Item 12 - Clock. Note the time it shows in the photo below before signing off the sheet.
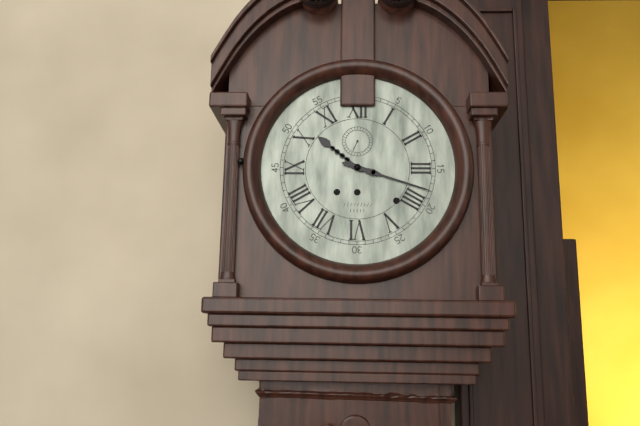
10:18
